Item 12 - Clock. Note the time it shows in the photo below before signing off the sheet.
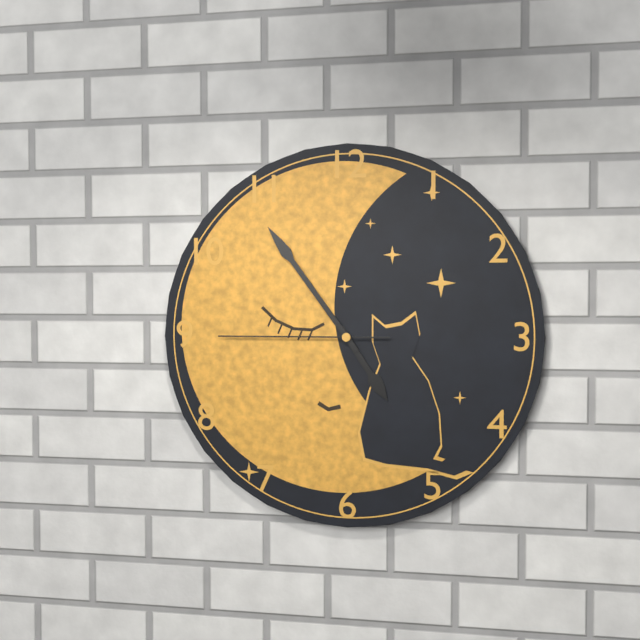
4:54:45
